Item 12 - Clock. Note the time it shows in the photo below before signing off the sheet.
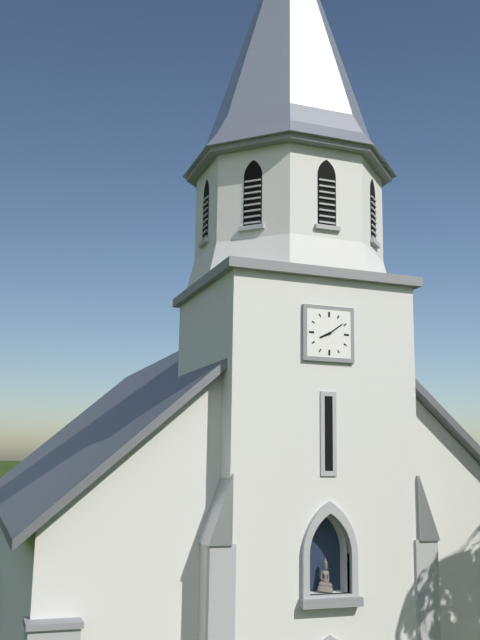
8:09
